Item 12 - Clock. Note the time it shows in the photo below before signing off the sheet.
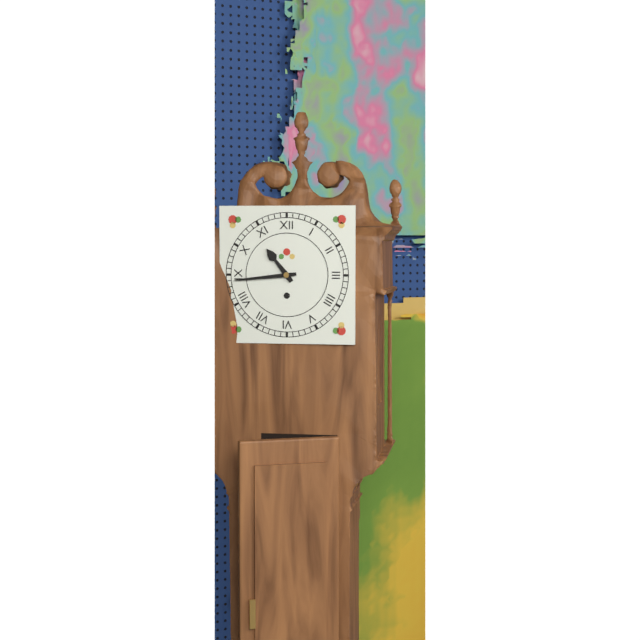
10:44
